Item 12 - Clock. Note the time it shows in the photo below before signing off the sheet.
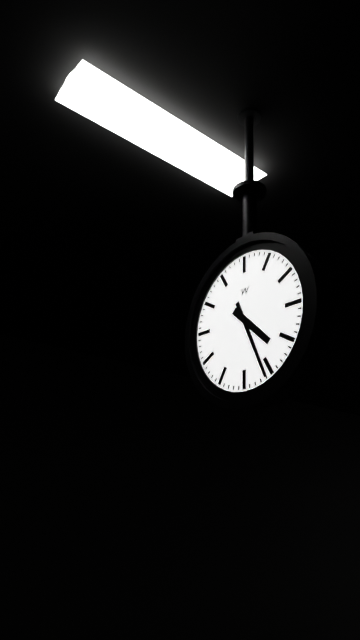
4:26
